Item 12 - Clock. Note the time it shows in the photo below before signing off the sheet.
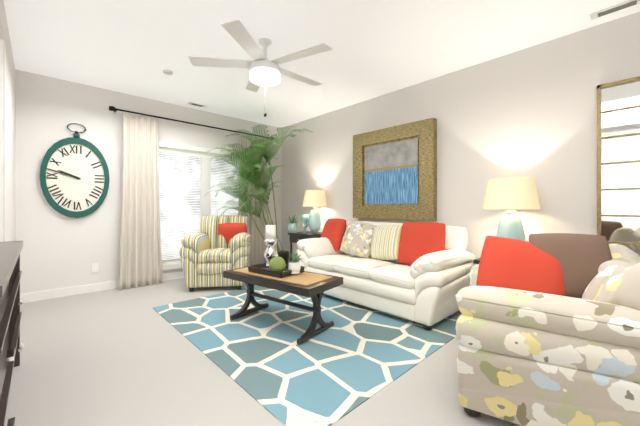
9:48
